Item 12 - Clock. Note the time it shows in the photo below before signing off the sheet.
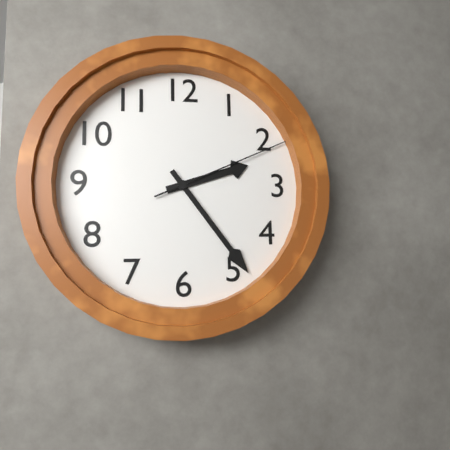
2:24:11
